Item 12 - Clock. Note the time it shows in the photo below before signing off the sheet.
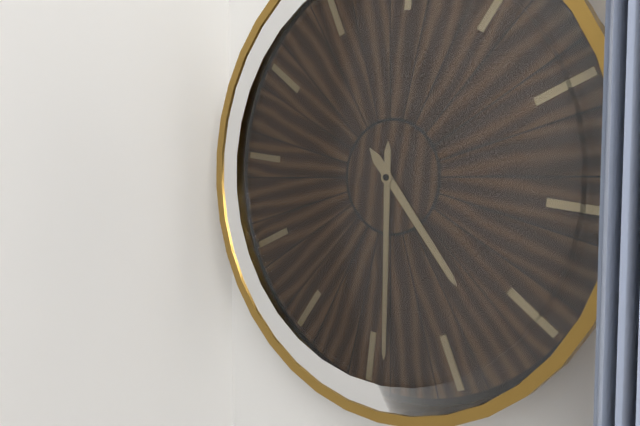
4:29
